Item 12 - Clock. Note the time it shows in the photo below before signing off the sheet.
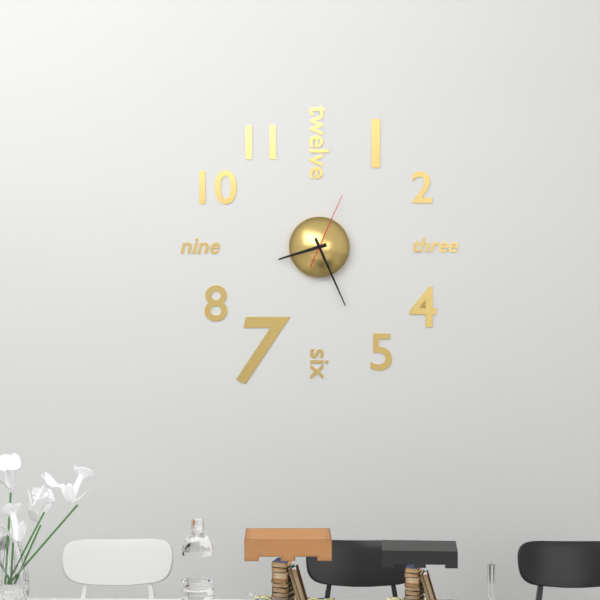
8:26:04
